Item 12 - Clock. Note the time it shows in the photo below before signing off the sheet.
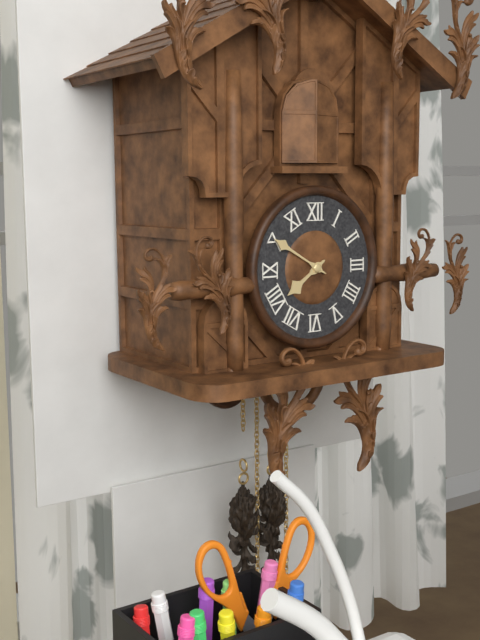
7:50
